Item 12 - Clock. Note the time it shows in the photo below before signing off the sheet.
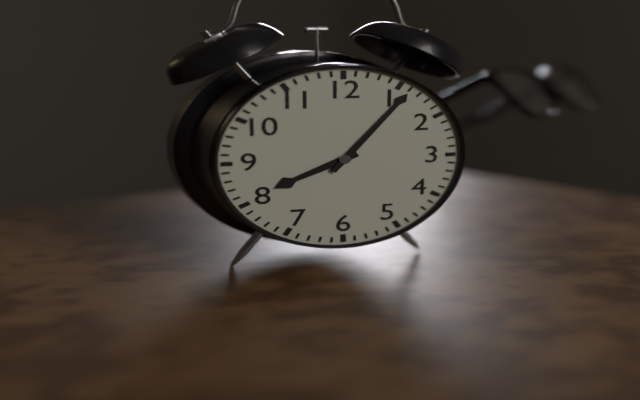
8:06
